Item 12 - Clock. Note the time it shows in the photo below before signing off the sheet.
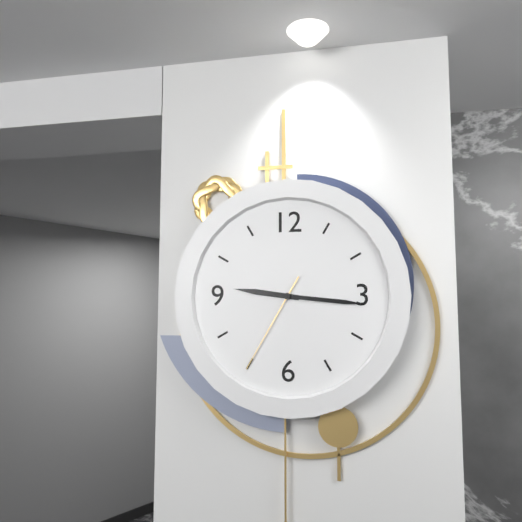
9:16:35
